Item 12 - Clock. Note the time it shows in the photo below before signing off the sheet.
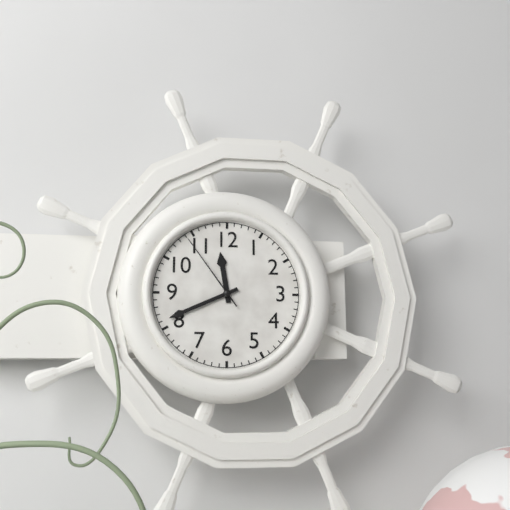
11:41:54
